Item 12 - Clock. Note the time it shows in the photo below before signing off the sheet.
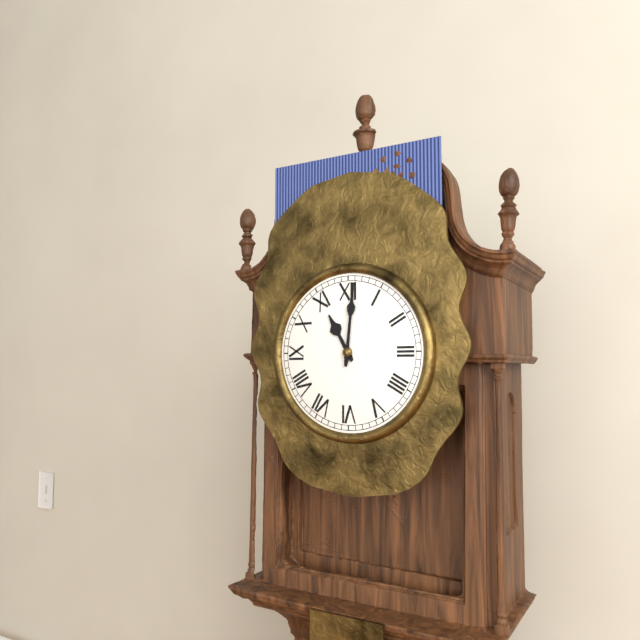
11:01
